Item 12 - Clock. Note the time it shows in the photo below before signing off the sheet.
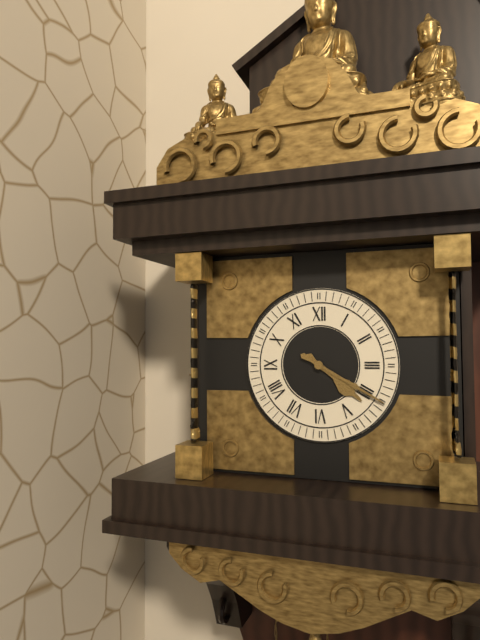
4:20
